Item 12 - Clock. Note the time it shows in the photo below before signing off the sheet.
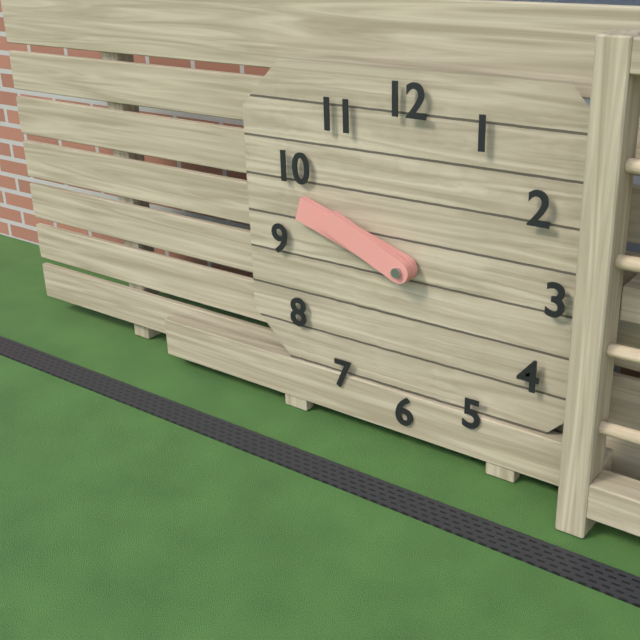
9:48
